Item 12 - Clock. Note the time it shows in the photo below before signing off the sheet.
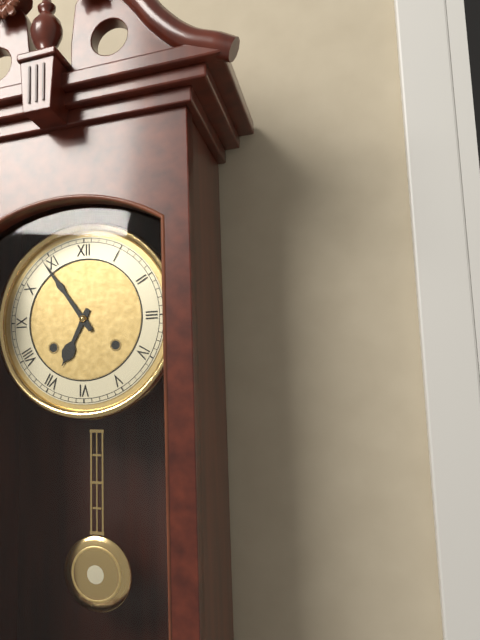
6:54
